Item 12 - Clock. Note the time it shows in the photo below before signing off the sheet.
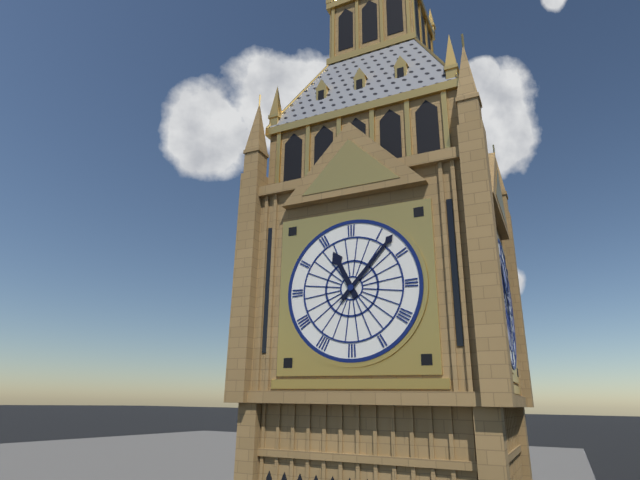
11:07
